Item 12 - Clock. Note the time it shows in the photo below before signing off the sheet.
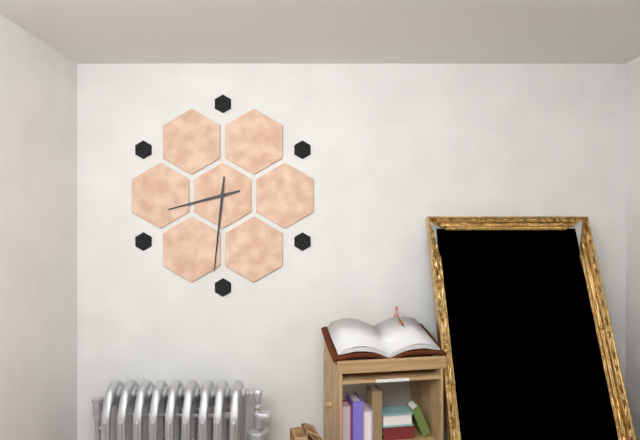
8:31
